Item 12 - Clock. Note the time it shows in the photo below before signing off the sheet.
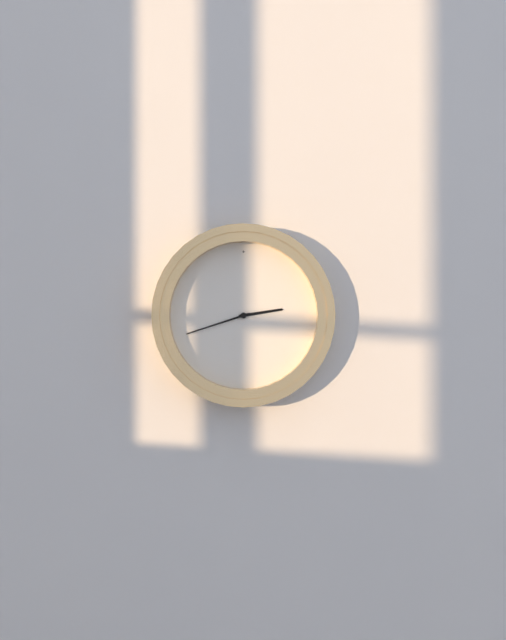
2:42
